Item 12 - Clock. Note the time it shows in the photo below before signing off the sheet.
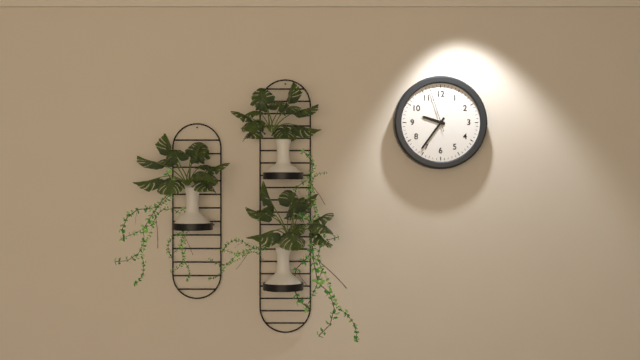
9:36
